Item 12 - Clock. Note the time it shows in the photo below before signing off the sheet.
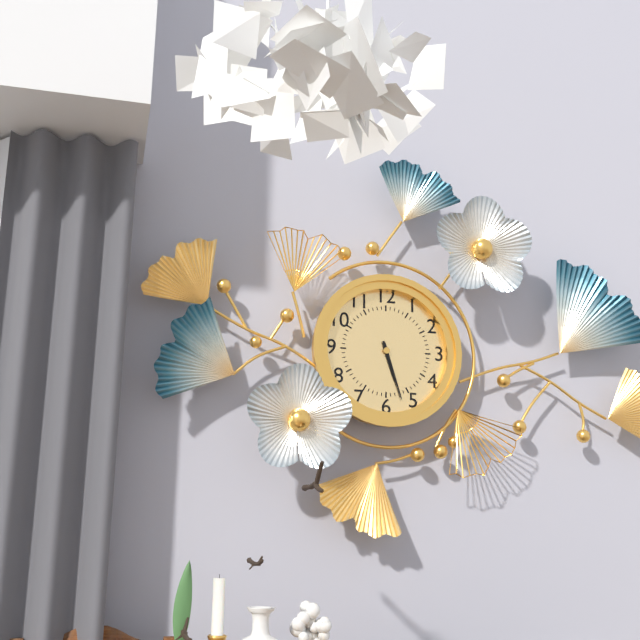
5:27
